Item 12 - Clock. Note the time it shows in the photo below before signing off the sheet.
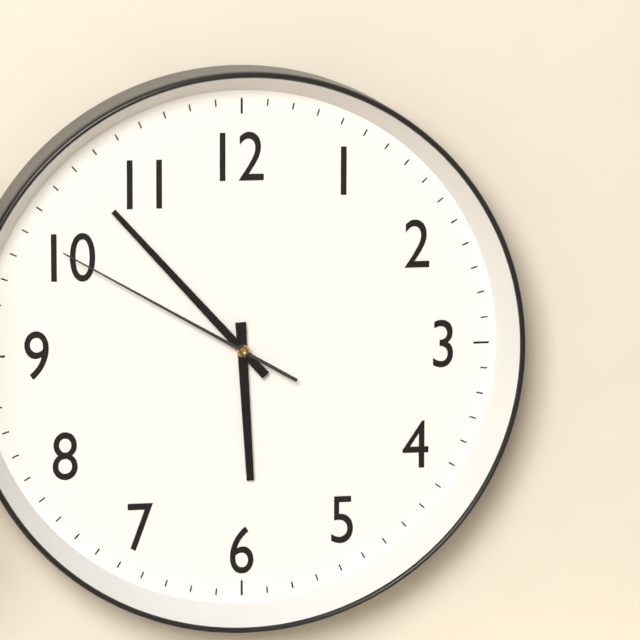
5:53:50
